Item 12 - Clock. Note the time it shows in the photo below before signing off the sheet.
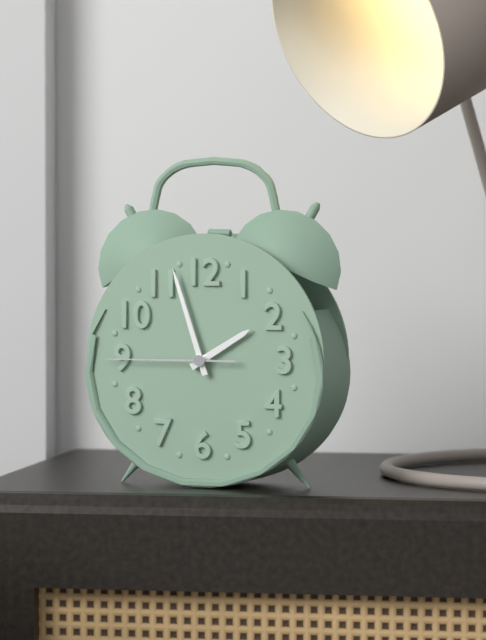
1:57:45
